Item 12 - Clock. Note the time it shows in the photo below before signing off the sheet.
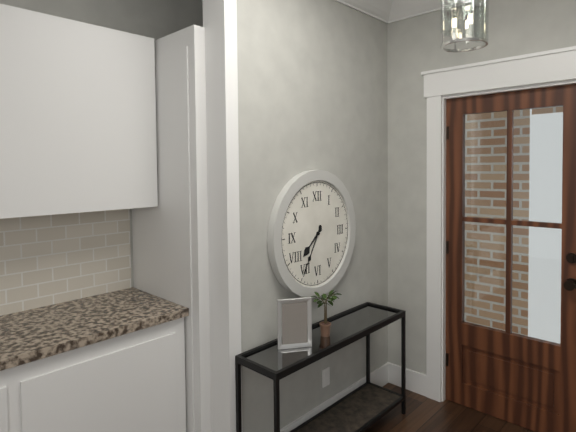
7:35
